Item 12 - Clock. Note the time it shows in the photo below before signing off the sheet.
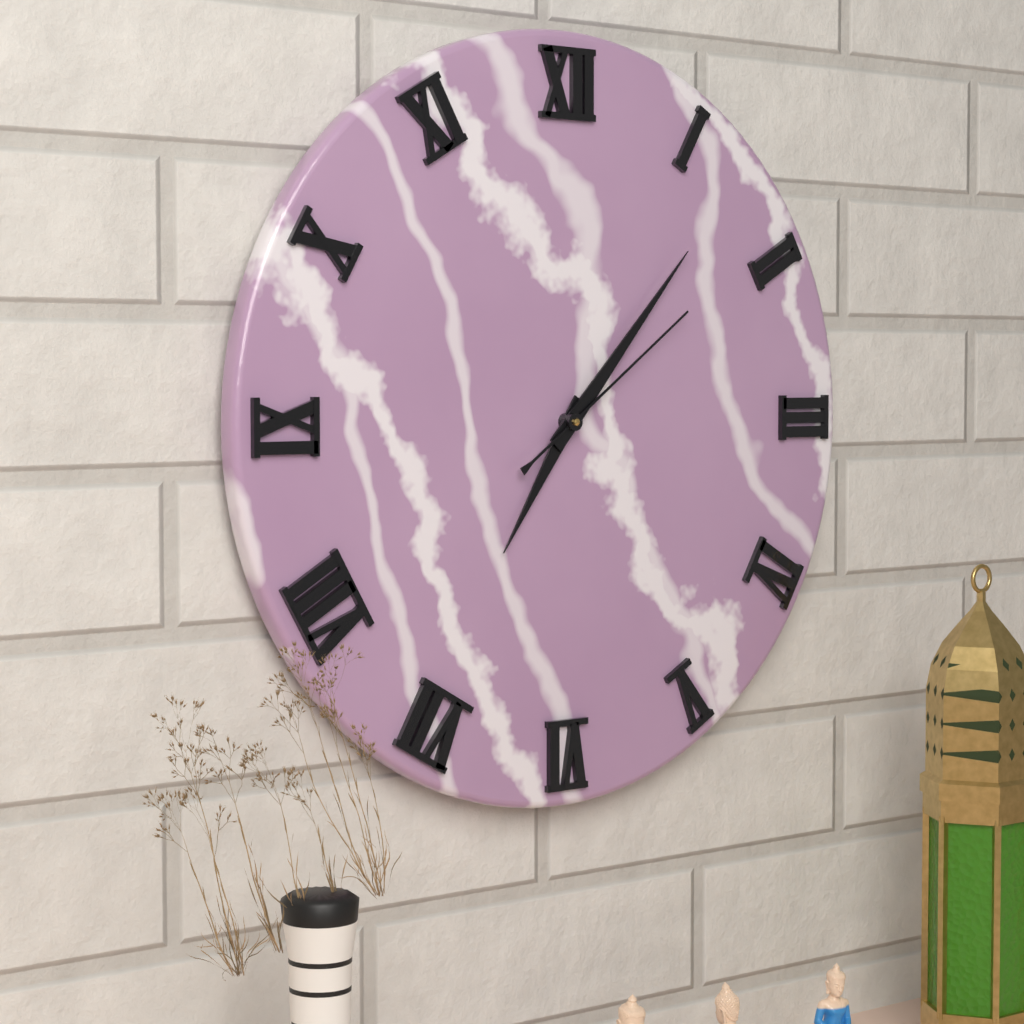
7:07:09
